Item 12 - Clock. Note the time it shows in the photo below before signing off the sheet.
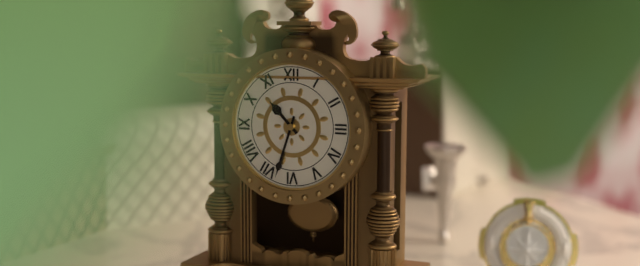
10:33
